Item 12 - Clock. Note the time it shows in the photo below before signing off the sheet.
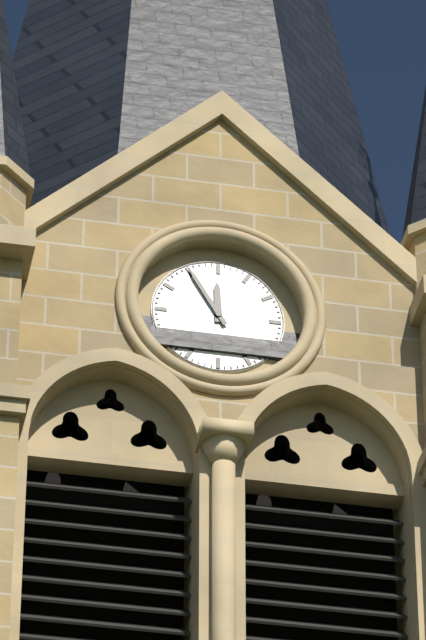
11:55
